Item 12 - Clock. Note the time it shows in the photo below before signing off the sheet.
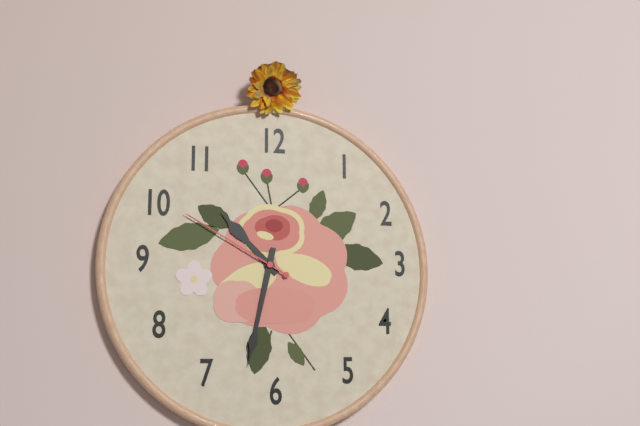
10:32:50
